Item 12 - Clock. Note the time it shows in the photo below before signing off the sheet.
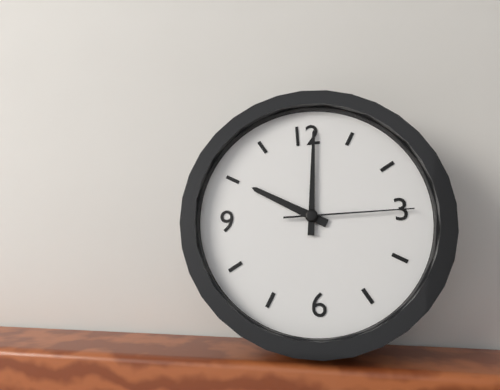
10:01:15
